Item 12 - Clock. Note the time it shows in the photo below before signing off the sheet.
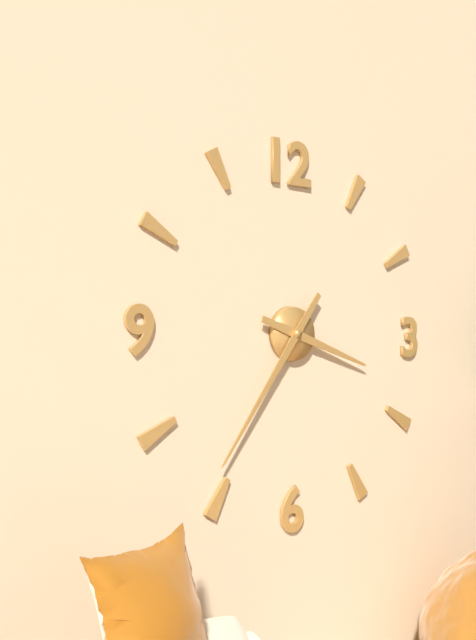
3:36
